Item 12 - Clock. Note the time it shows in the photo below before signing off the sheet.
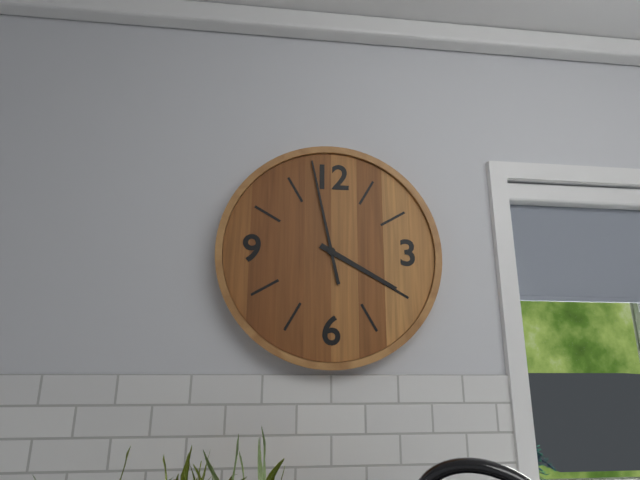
3:58
